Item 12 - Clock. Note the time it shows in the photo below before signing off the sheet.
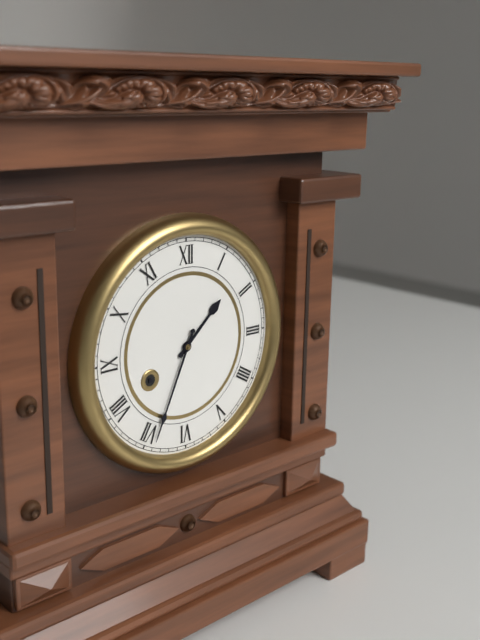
1:34
